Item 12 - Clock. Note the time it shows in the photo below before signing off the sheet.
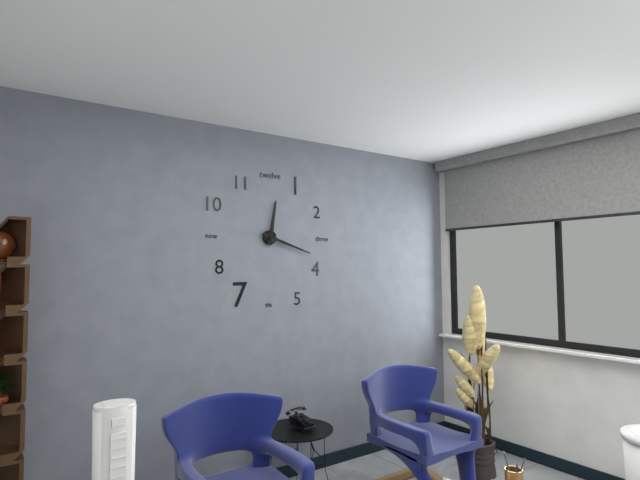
12:18
